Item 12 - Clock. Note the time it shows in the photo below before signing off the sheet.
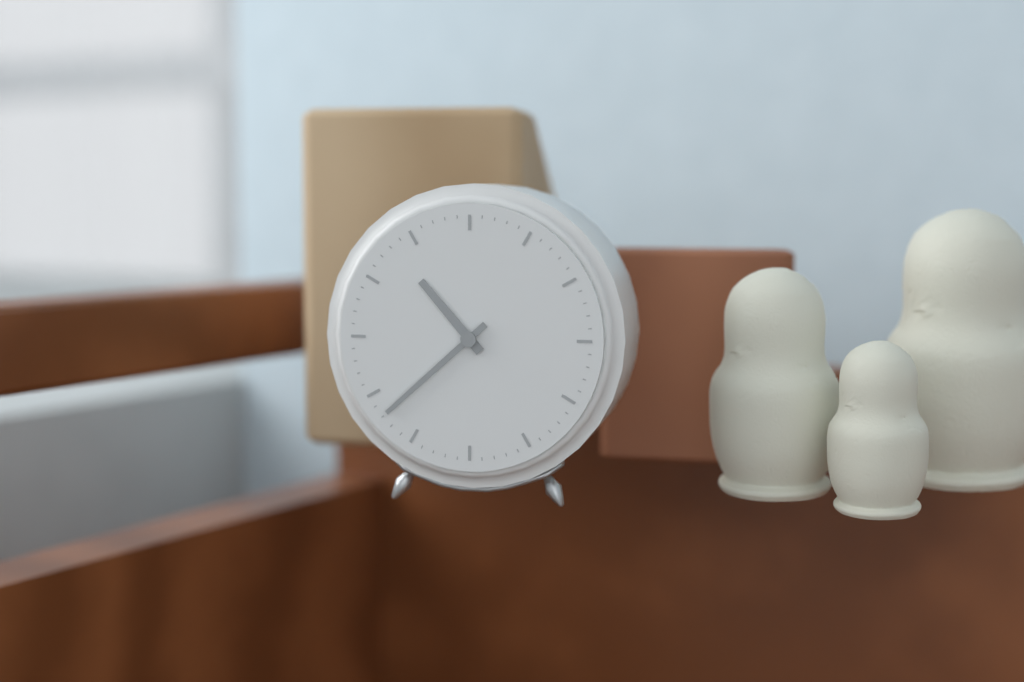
10:38
